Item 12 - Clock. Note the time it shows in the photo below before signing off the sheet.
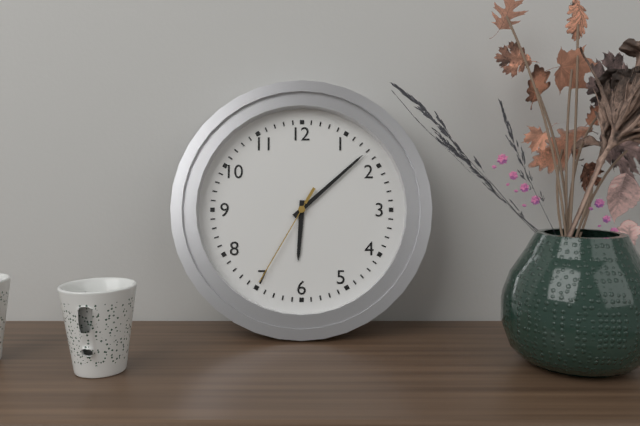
6:08:35
